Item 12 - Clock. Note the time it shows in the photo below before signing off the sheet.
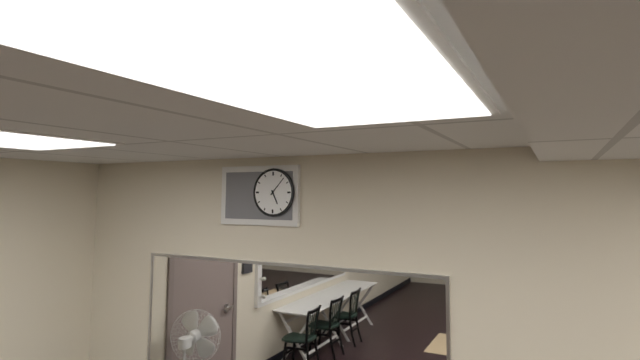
5:07
